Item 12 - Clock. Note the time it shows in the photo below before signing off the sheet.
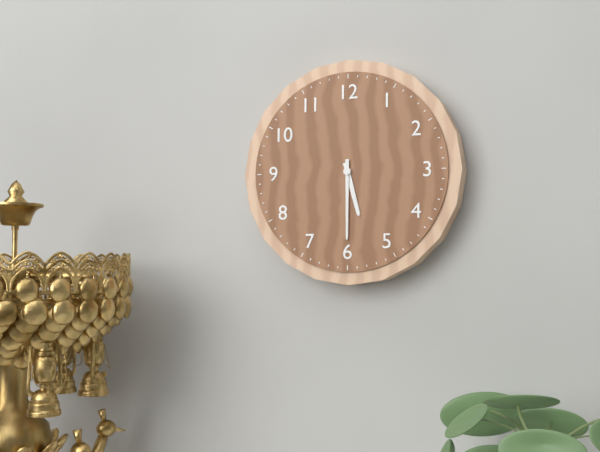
5:30
